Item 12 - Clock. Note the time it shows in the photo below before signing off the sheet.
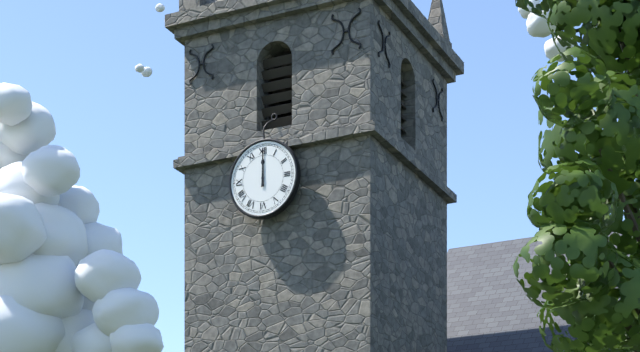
12:00
